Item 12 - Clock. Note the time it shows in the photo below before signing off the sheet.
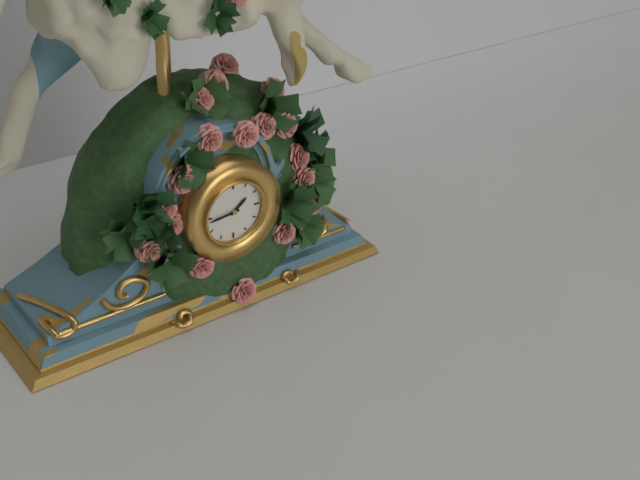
1:44
